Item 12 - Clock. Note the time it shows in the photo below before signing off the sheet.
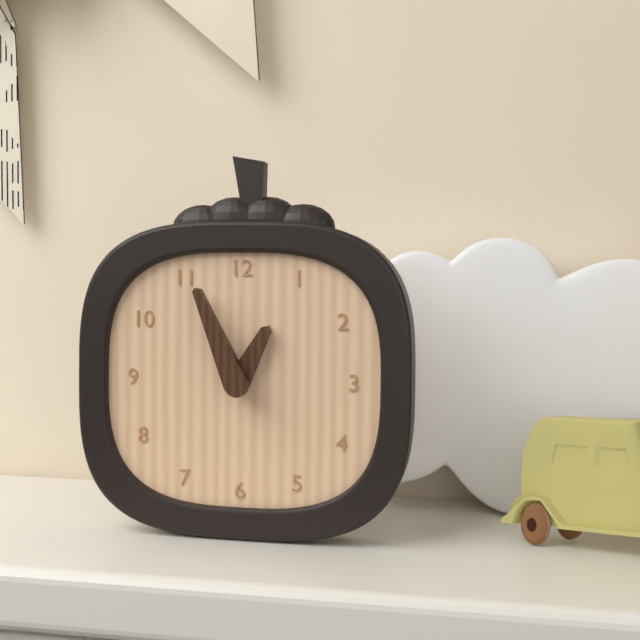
12:56
